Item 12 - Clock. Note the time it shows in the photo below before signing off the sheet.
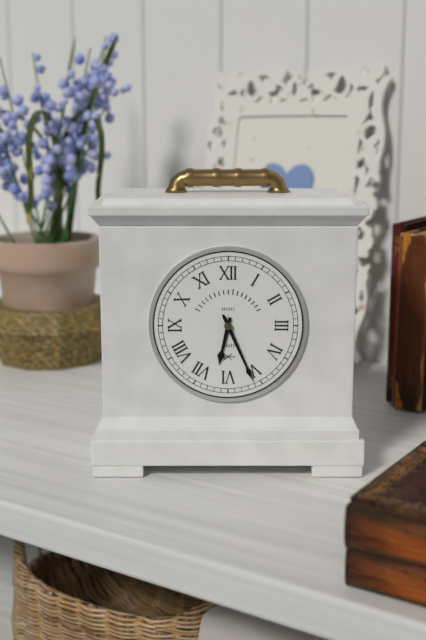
6:26
